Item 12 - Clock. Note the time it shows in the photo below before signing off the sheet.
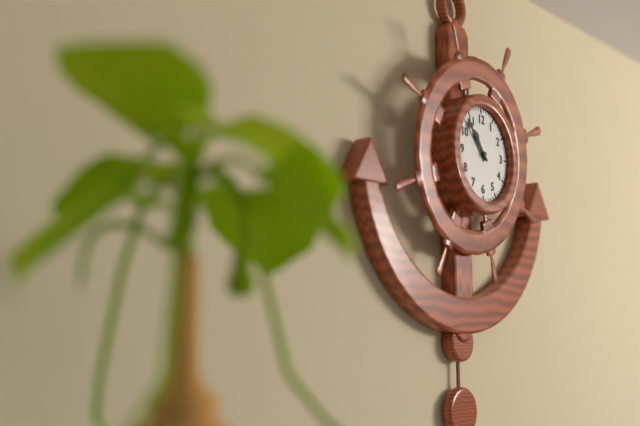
10:53
